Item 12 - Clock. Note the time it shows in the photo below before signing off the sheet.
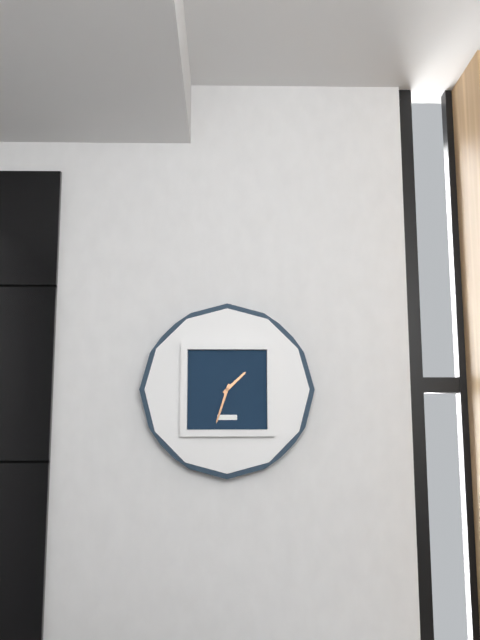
1:33
